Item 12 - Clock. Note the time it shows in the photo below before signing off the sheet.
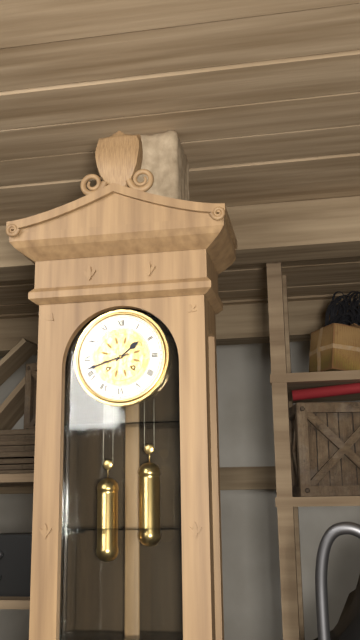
1:42
